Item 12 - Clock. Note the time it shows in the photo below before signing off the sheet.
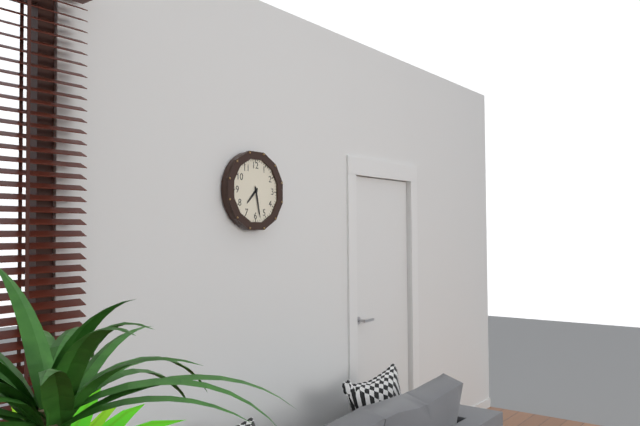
7:28
